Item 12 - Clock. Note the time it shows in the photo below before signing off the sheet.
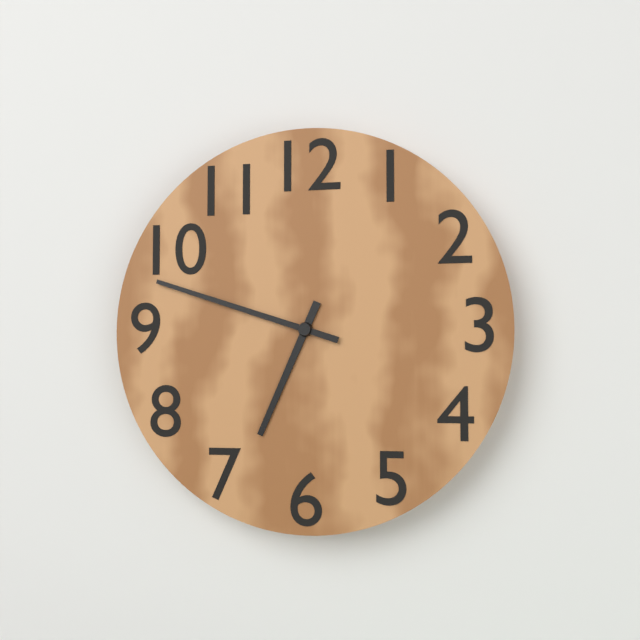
6:48
